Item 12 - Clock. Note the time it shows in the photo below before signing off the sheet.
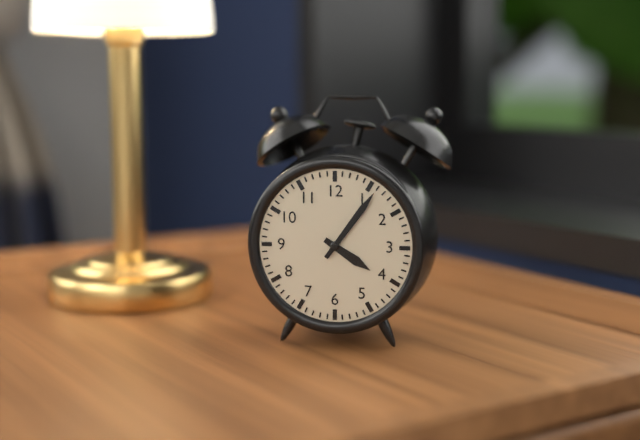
4:06
